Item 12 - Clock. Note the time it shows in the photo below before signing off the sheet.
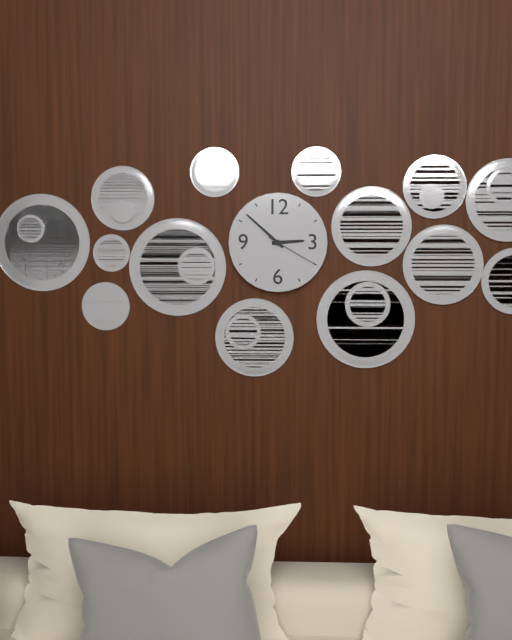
2:52:20
